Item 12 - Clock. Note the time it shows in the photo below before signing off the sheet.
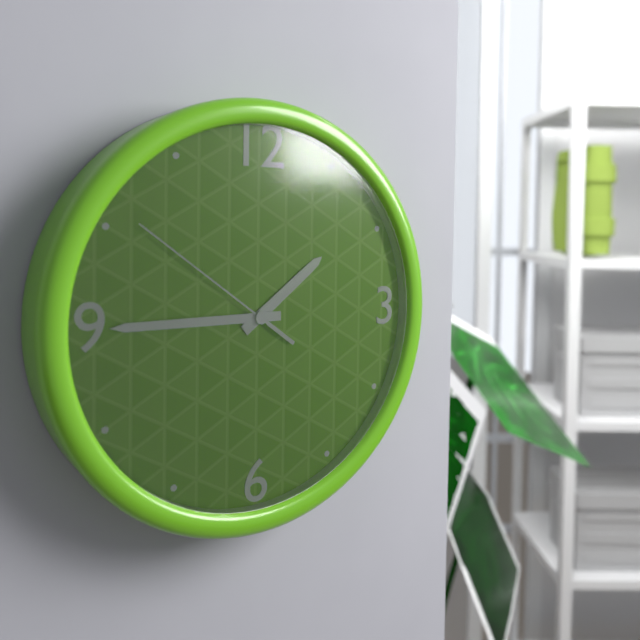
1:45:51
